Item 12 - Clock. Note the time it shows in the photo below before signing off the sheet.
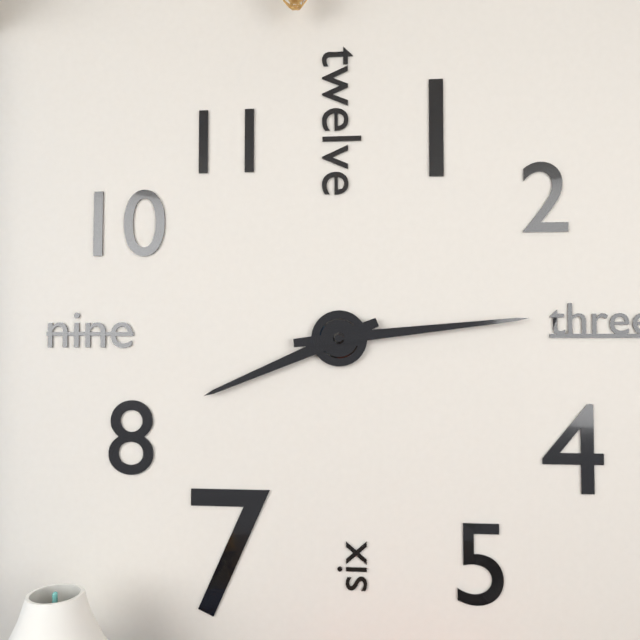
8:14
